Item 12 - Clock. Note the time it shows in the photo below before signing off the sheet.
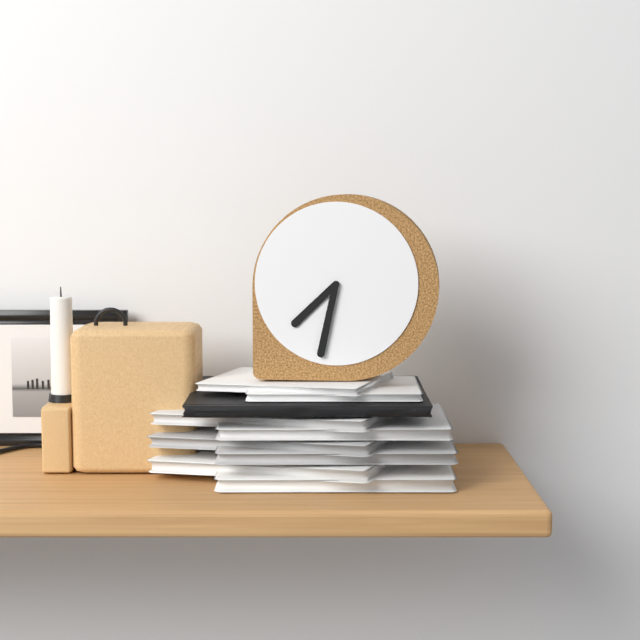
7:32
